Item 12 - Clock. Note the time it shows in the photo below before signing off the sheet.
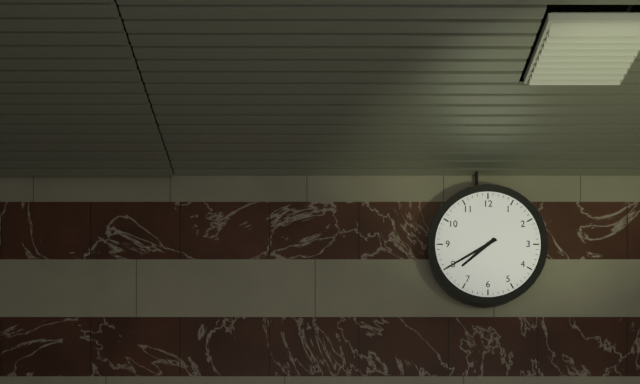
7:40
